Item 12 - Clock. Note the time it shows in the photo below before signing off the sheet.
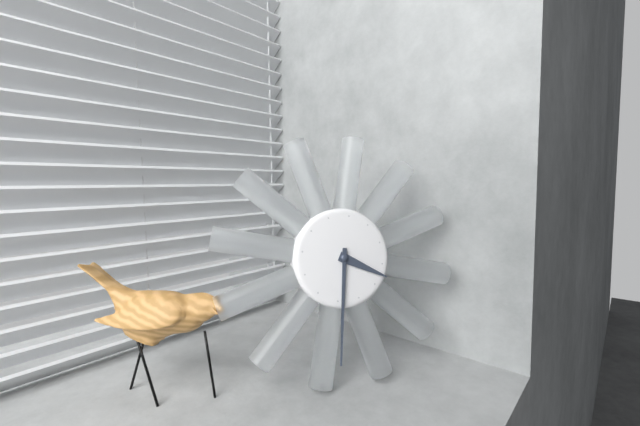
3:29
